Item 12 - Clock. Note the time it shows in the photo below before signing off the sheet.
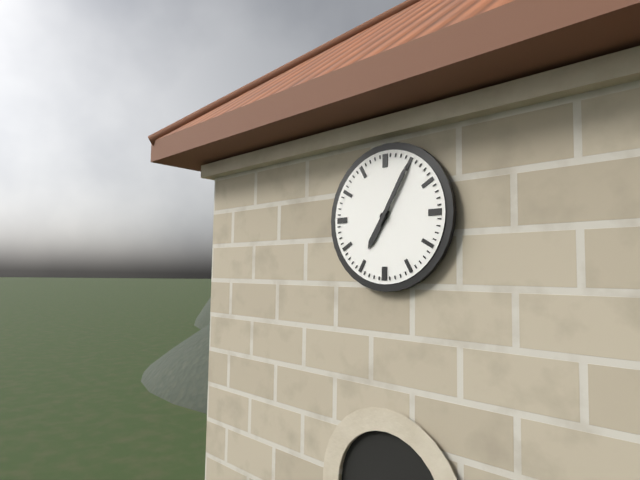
7:05
